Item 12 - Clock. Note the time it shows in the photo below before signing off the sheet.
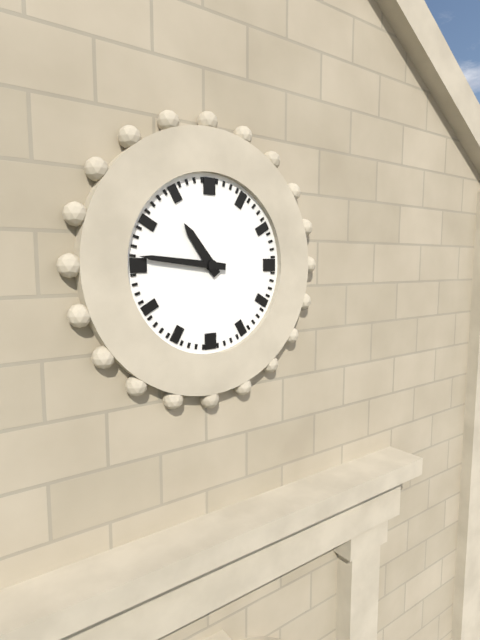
10:46
